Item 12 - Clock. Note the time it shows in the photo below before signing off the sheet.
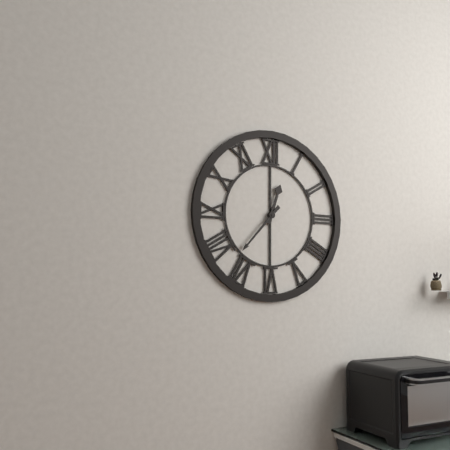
12:37
